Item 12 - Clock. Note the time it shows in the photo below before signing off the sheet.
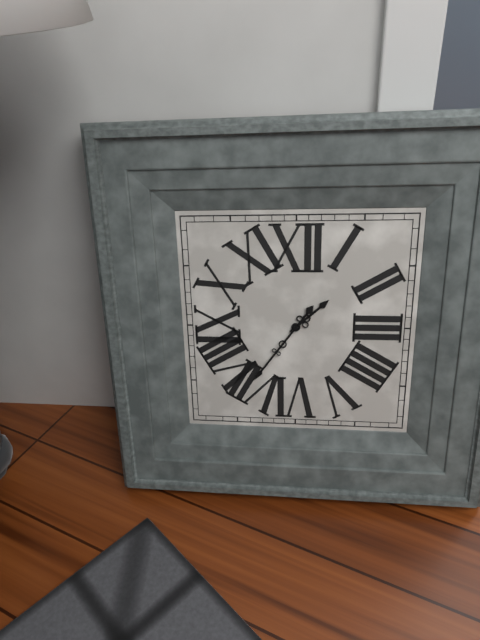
1:36
